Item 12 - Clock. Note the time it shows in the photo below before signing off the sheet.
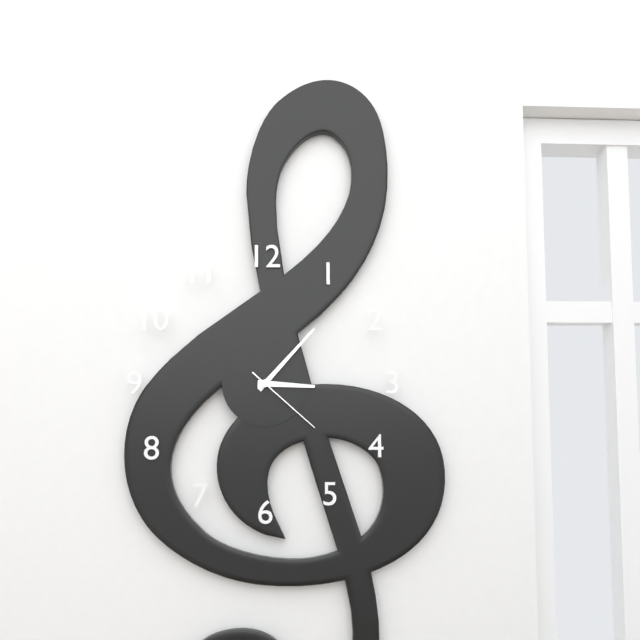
3:07:22
